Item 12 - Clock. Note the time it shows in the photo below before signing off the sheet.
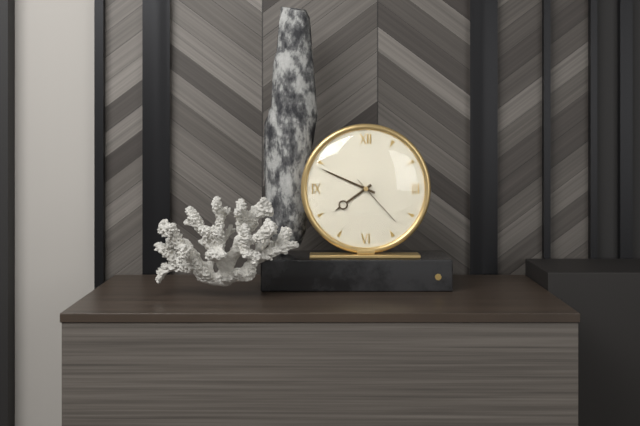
7:49:23
